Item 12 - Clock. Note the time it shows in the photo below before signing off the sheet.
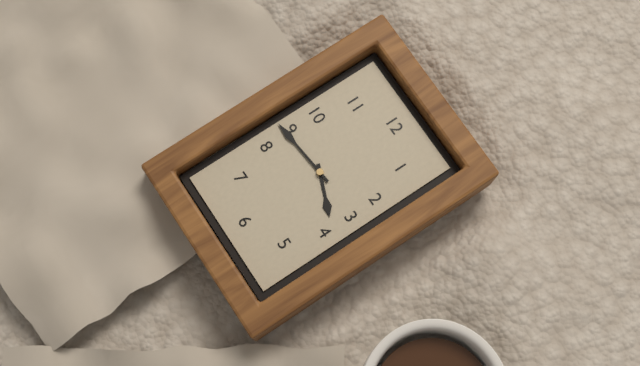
3:44
